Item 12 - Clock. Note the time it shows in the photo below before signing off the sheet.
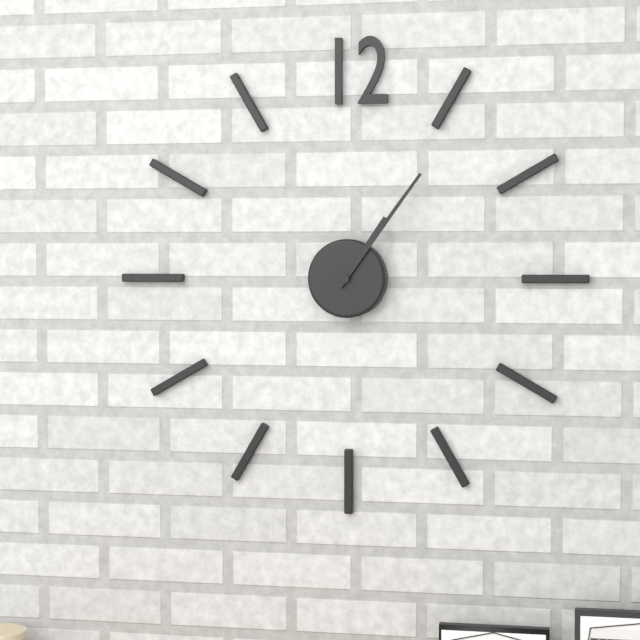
1:06
